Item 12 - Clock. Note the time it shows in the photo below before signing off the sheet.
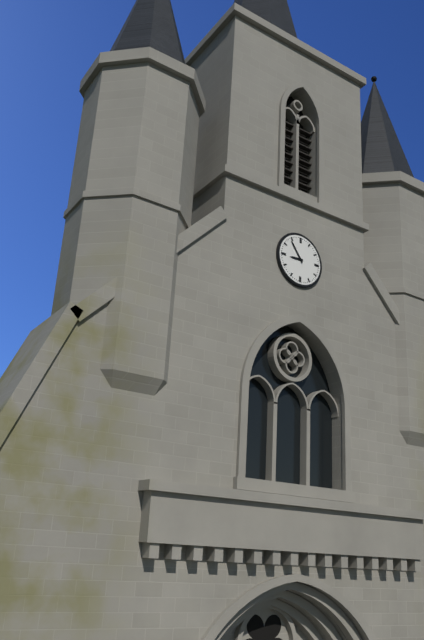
8:54
